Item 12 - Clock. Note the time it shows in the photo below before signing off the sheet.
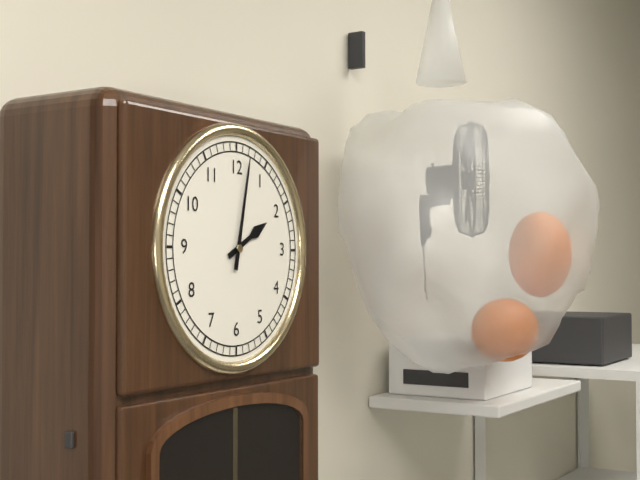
2:02
